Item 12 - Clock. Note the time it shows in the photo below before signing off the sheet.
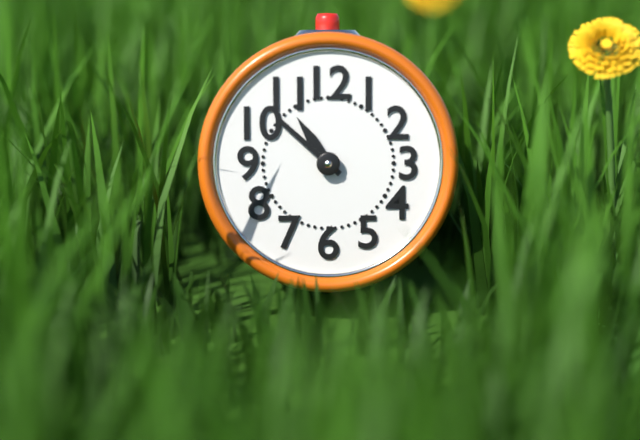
10:52
